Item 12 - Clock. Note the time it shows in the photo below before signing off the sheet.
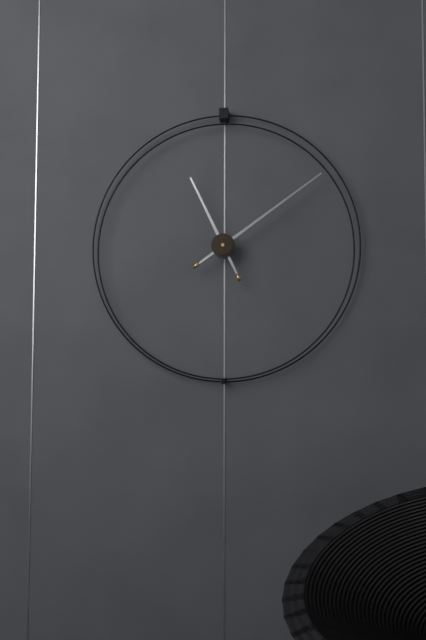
11:09
